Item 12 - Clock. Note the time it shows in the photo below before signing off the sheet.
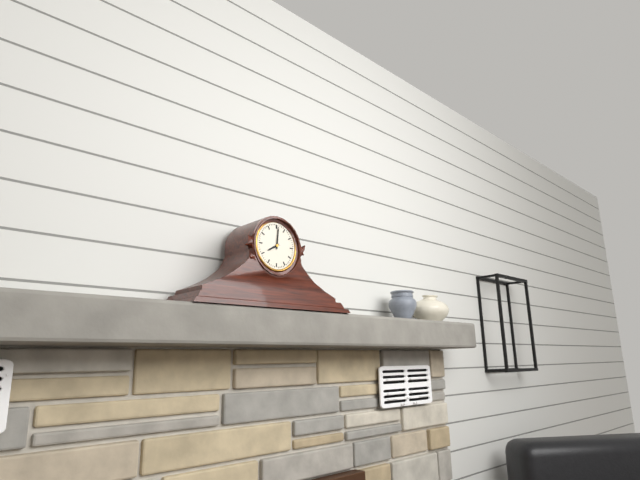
8:01
